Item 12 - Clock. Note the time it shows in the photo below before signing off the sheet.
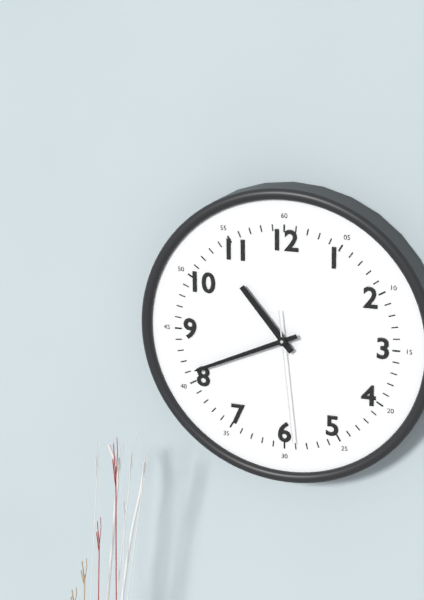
10:41:29
